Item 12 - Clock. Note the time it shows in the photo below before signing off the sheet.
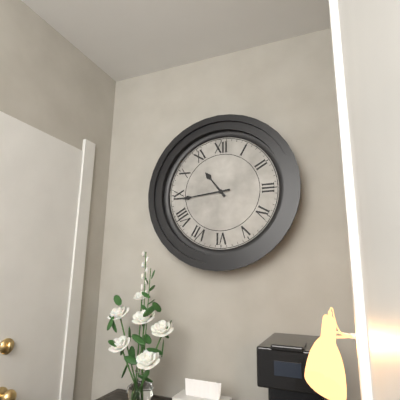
10:44
